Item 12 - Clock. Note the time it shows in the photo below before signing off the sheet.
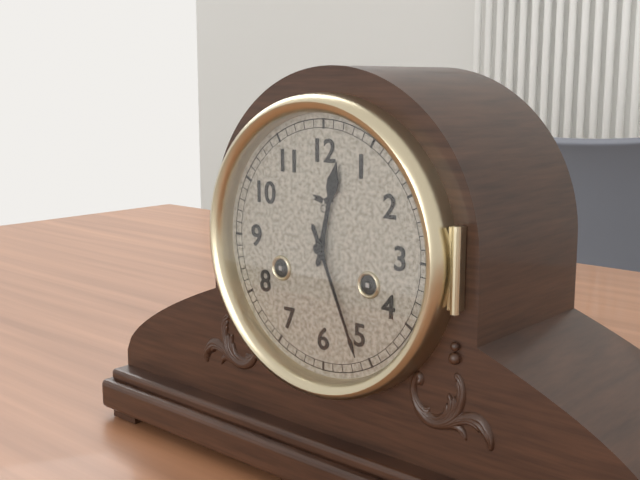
12:26
